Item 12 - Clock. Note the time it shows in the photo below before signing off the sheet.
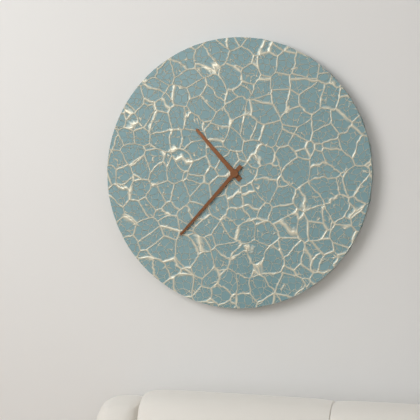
10:37
